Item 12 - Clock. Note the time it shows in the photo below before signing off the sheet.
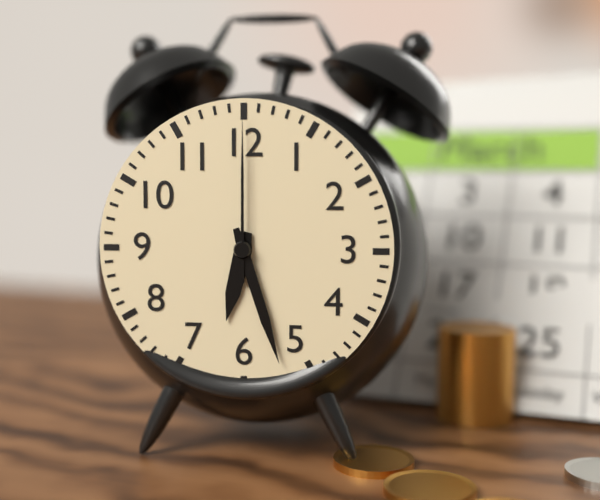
6:27:00
